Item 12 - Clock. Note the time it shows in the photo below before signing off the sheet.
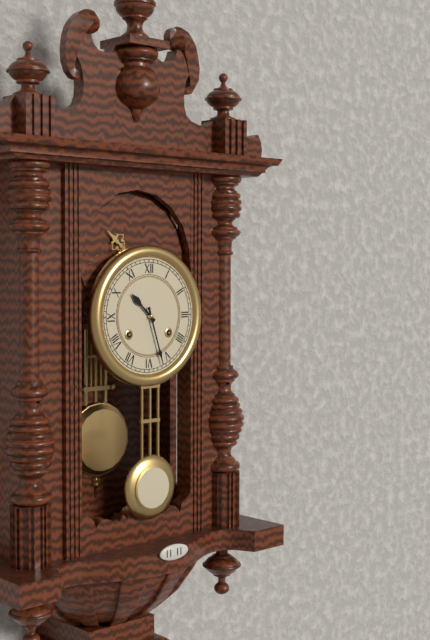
10:27
